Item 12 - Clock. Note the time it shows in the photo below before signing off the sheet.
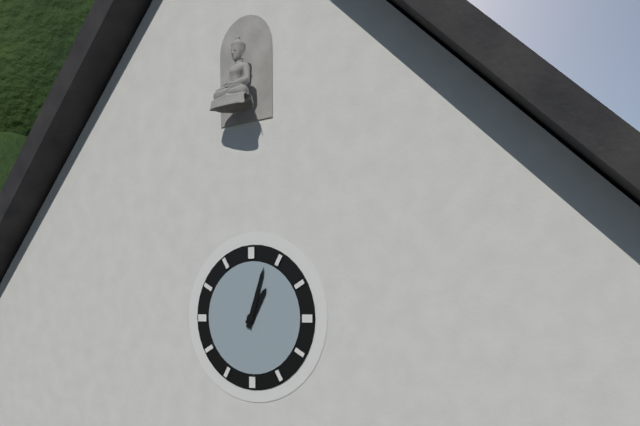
1:03
